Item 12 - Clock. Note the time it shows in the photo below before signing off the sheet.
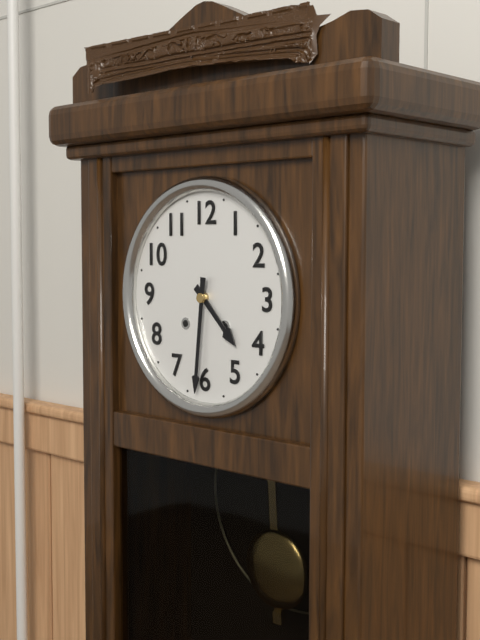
4:31
